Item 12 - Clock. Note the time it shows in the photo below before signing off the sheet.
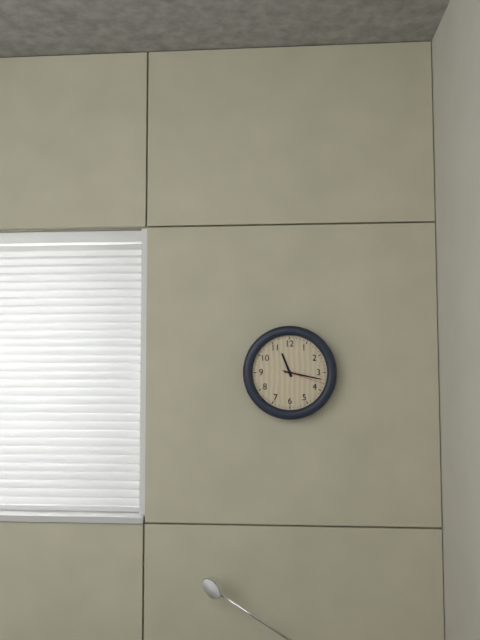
11:17
